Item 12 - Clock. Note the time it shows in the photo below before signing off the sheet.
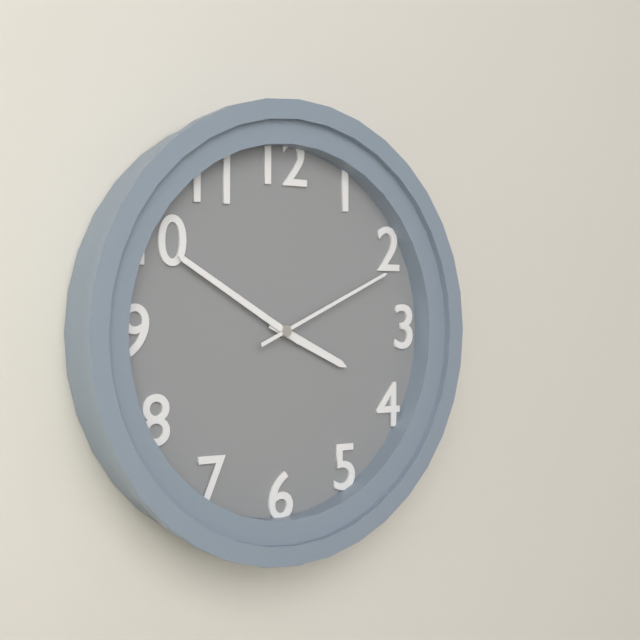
3:50:11
